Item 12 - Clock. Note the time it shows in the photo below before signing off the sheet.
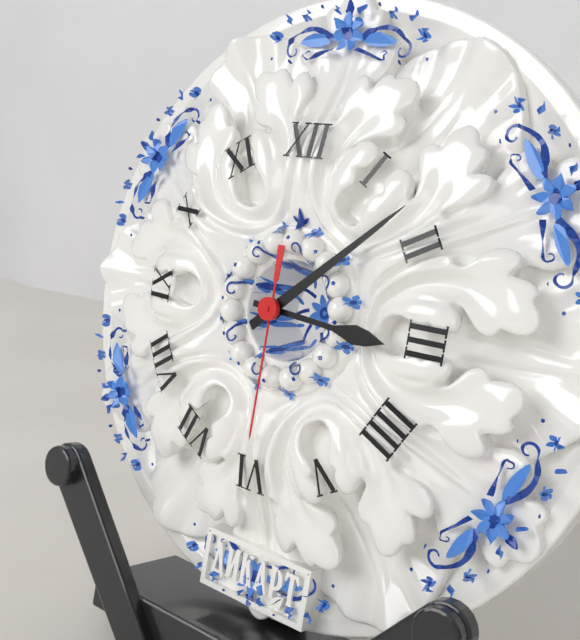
3:08:30
